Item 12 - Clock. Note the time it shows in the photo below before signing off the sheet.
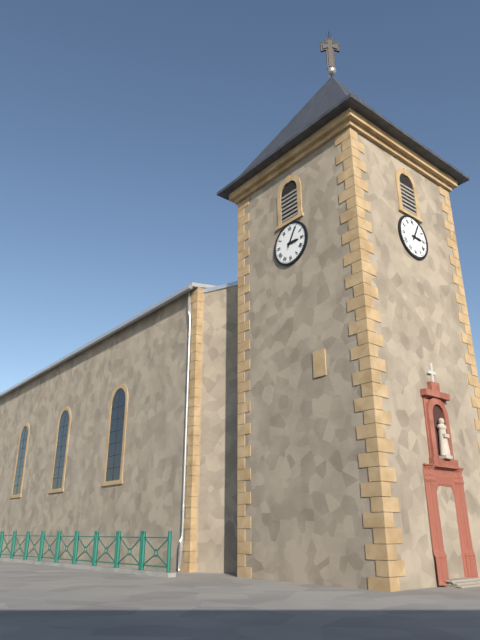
3:05
